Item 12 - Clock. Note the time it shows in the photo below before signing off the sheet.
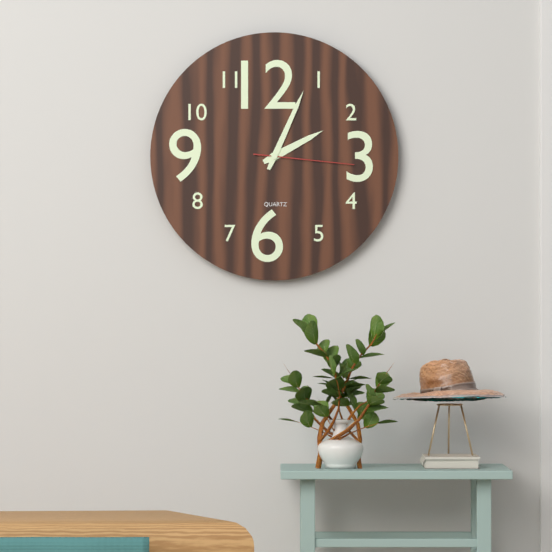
2:04:16
